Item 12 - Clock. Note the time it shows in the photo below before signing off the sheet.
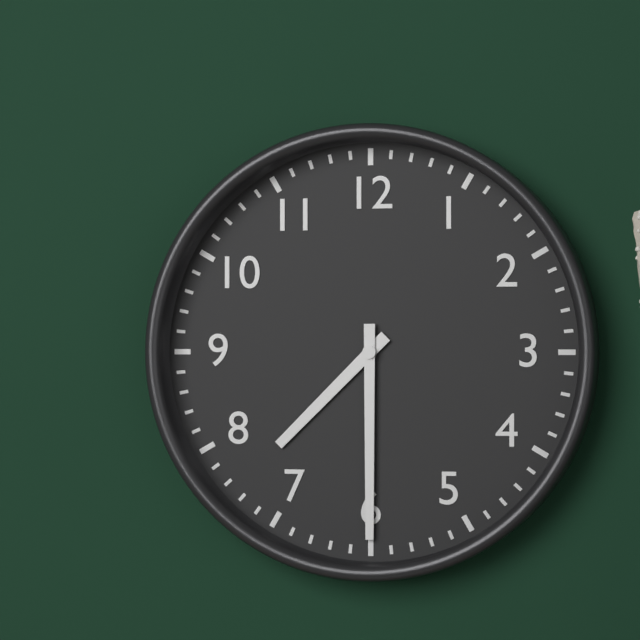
7:30
